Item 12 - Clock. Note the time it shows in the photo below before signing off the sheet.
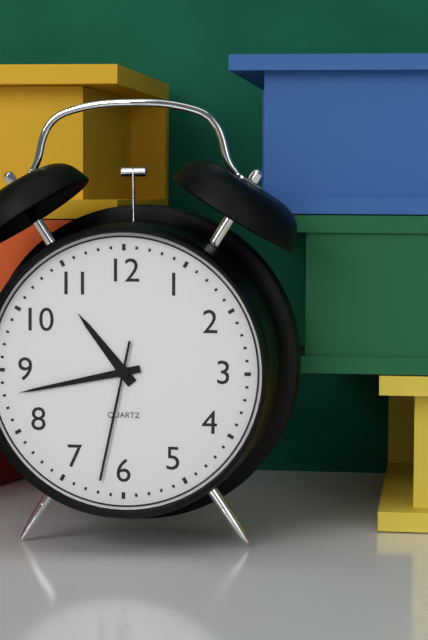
10:43:32
